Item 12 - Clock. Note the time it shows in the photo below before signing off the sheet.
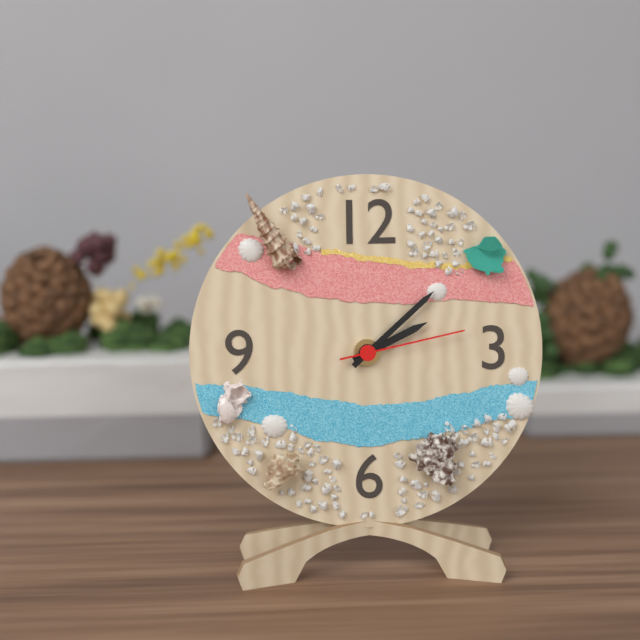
2:08:13
